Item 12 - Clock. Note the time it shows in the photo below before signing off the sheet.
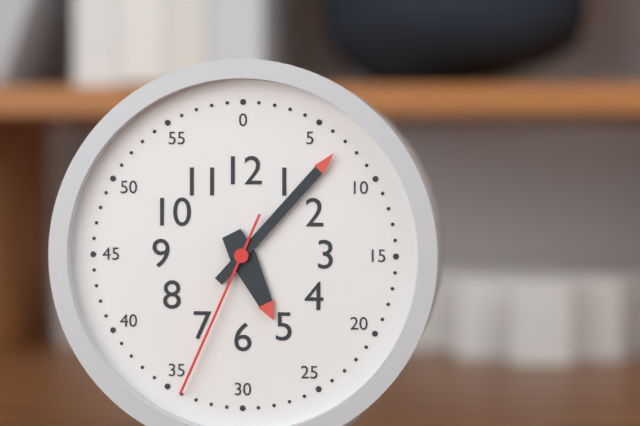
5:07:34
